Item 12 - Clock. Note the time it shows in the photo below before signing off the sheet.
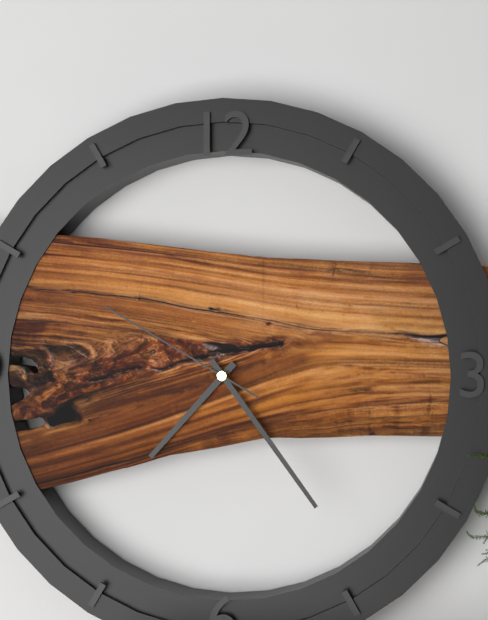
7:24:50
